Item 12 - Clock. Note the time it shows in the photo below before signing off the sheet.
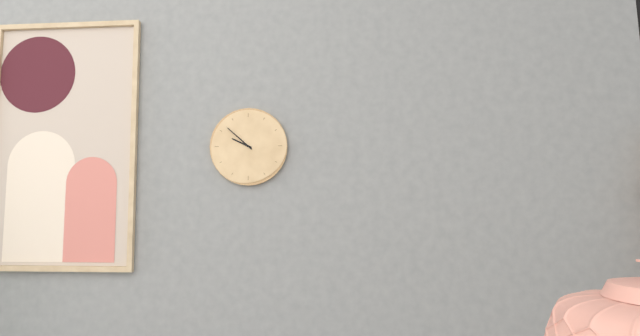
9:52
